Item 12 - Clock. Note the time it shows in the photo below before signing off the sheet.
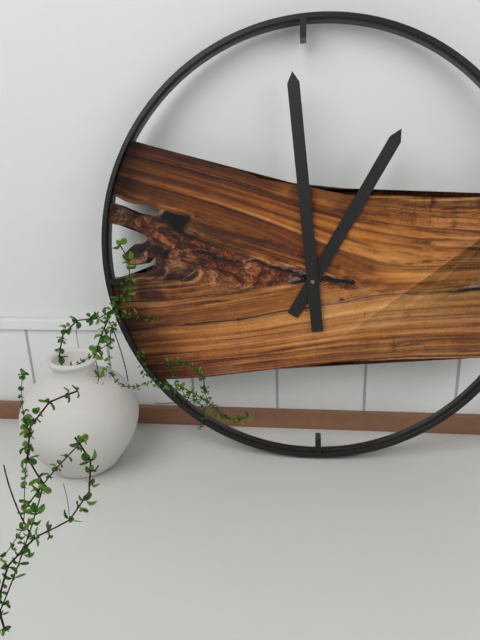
12:59
